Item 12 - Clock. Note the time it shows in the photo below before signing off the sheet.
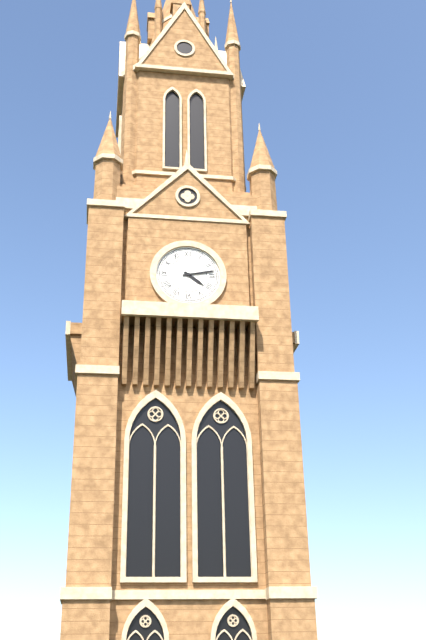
4:13
